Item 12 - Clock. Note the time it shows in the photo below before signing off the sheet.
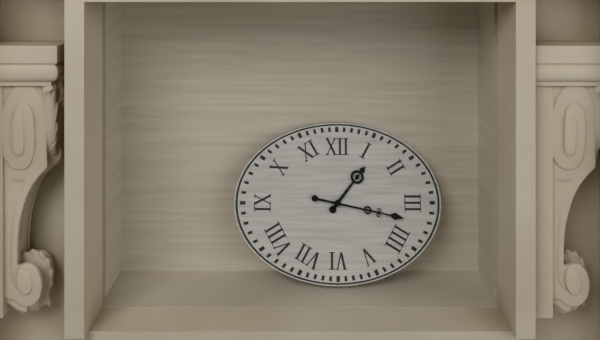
1:17
